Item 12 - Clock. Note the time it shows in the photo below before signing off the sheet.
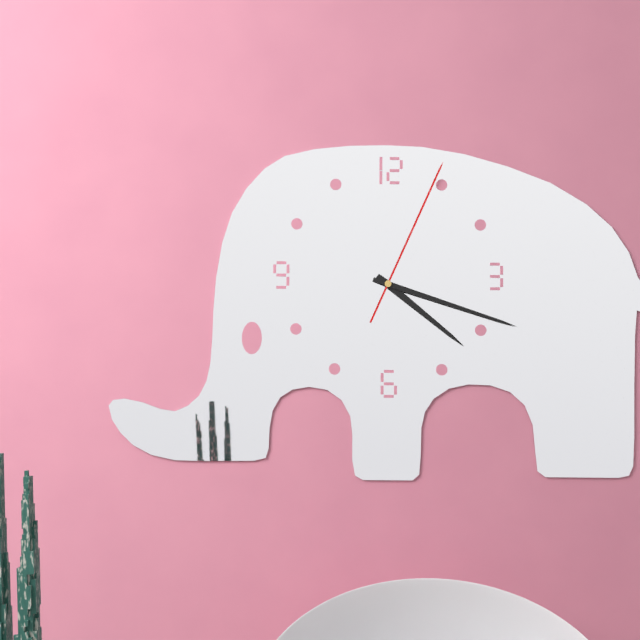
4:18:04
